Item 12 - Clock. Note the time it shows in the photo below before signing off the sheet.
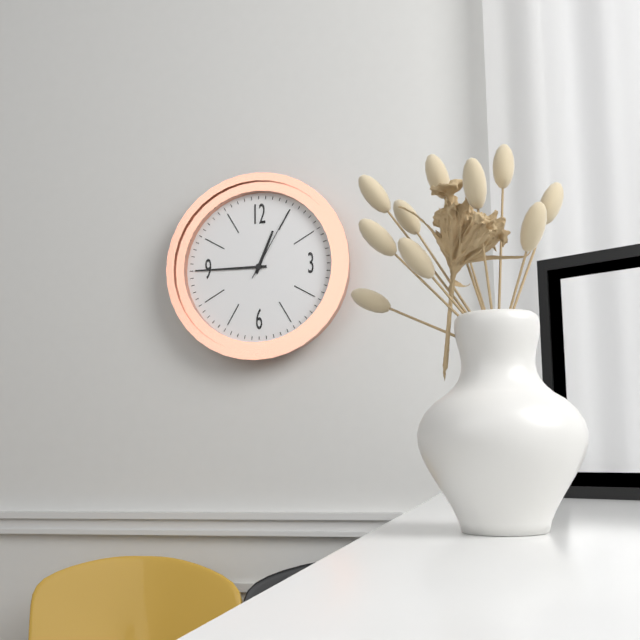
12:45:05
